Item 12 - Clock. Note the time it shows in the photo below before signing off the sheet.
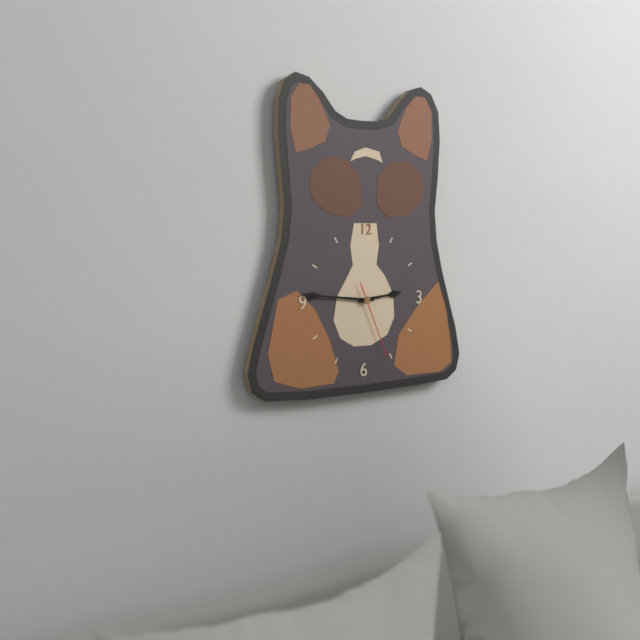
2:46:26
